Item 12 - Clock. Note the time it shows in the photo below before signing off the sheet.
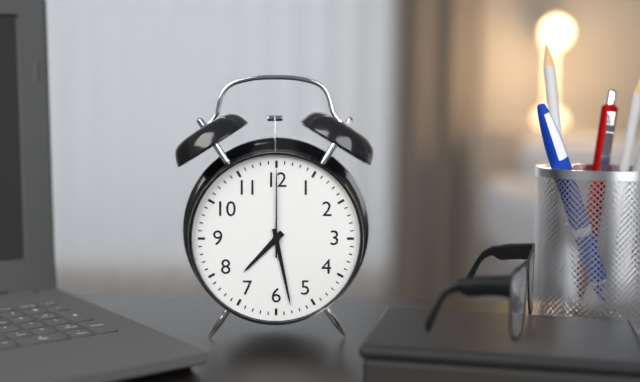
7:28:00
